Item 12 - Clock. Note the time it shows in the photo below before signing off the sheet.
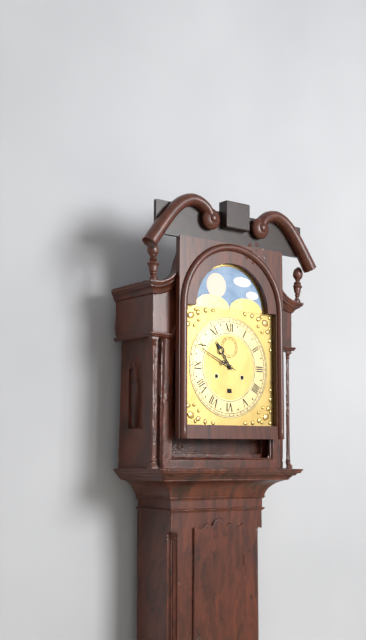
10:49
